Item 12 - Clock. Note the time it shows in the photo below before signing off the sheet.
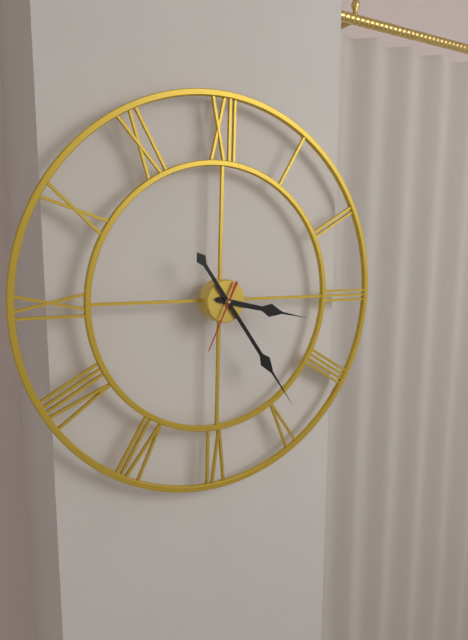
3:24:34
